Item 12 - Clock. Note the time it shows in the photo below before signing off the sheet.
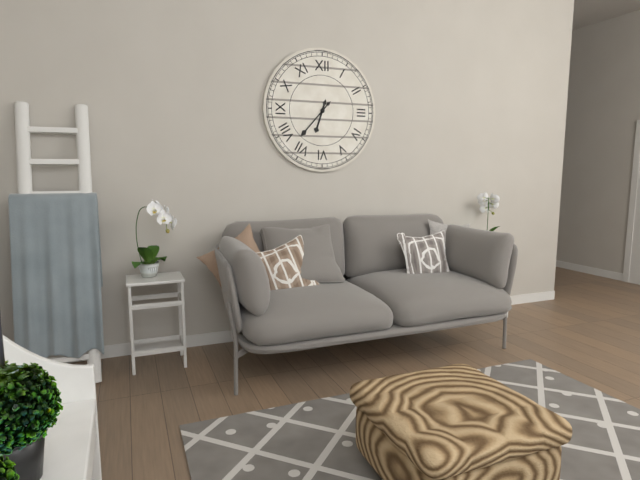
6:37
